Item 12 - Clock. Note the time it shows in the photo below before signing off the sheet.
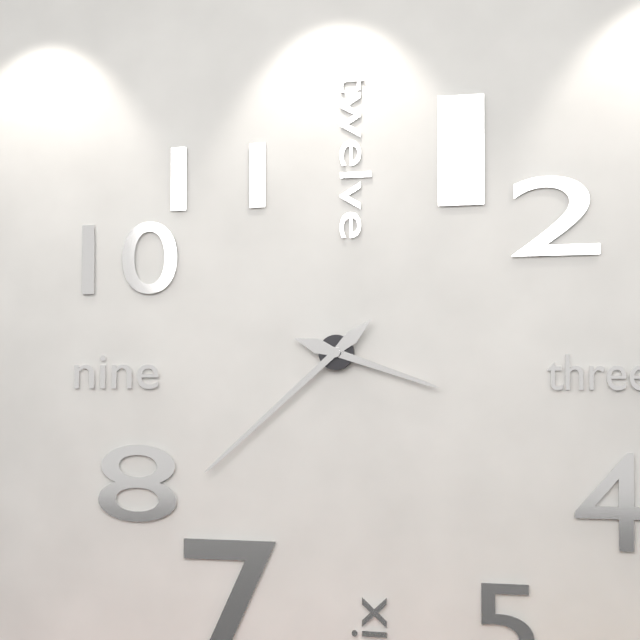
3:38
